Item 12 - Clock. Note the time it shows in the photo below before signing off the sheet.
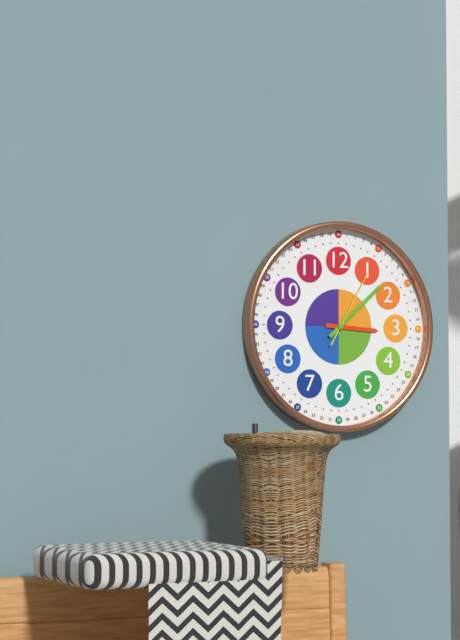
3:08:05
